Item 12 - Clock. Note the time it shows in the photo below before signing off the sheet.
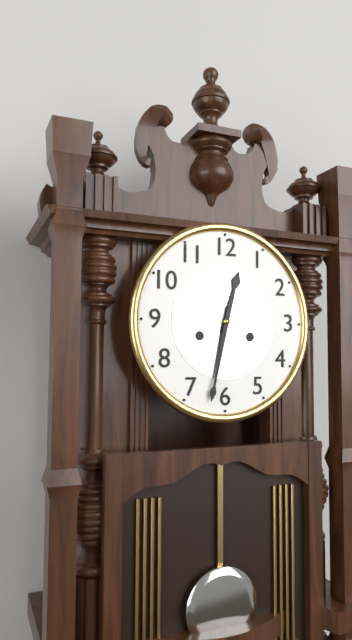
12:32
